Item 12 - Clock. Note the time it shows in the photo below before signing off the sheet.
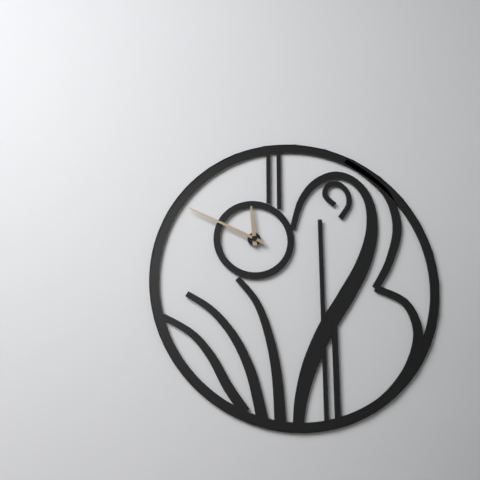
11:49
